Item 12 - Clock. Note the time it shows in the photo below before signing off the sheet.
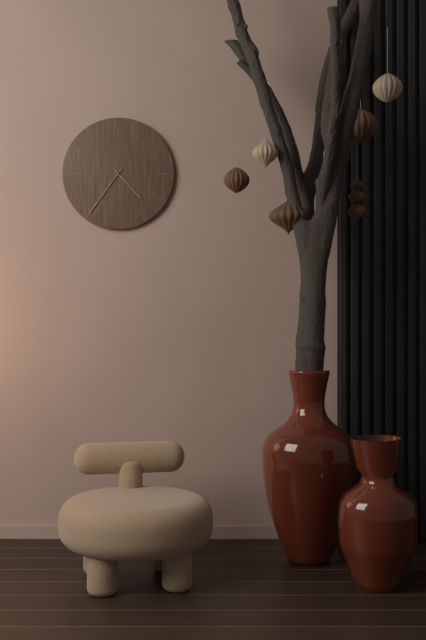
4:36
